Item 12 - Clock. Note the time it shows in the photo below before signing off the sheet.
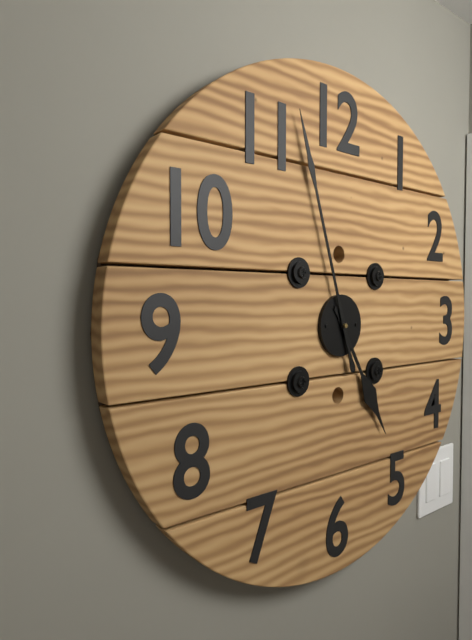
4:57
